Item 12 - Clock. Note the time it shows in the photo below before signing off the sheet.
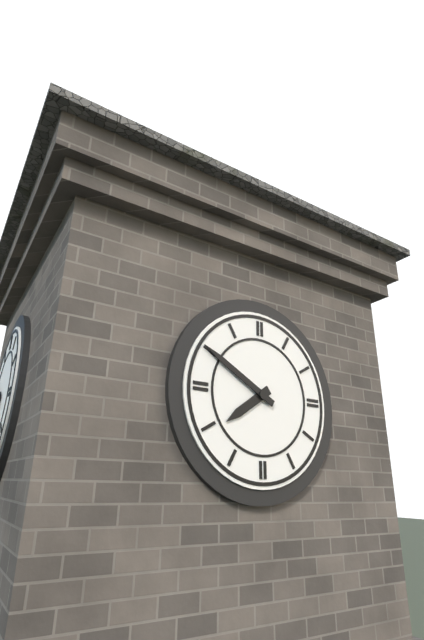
7:50
